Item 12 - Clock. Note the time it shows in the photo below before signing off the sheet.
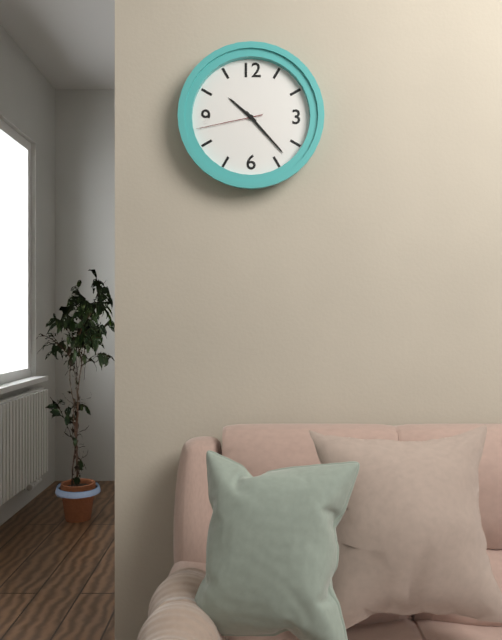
10:23:43
